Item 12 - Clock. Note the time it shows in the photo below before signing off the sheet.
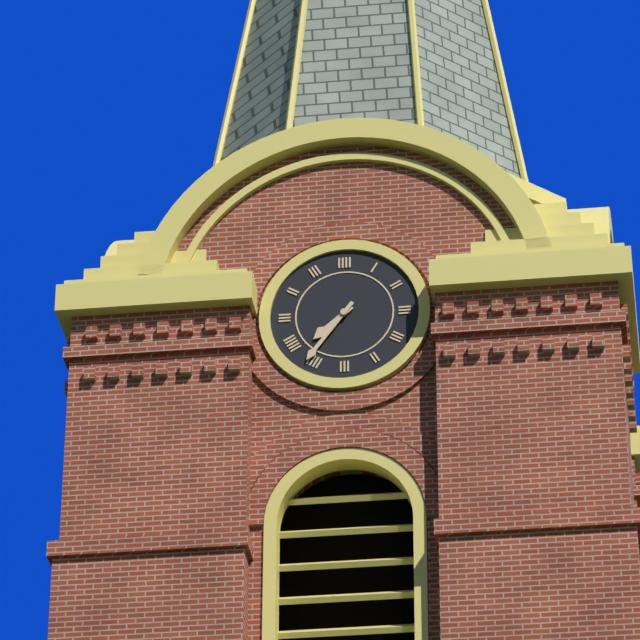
7:36
